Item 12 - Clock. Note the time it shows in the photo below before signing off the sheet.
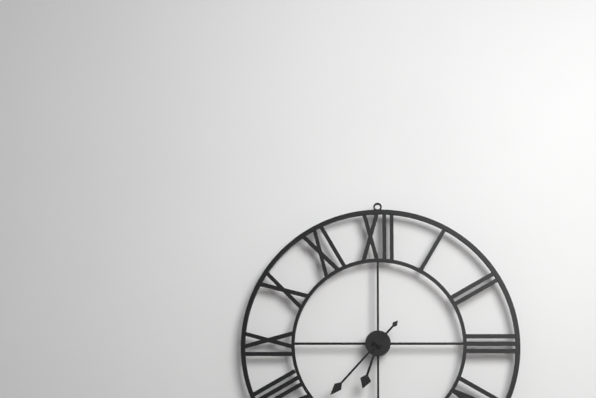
6:37
